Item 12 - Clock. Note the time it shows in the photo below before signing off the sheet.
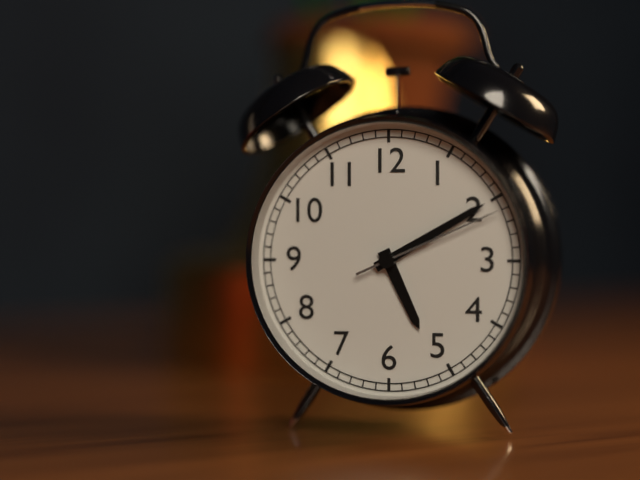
5:10:11
